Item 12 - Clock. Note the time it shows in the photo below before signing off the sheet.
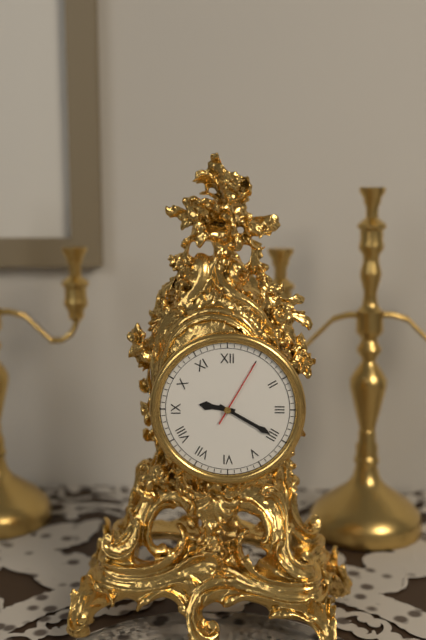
9:20:05
